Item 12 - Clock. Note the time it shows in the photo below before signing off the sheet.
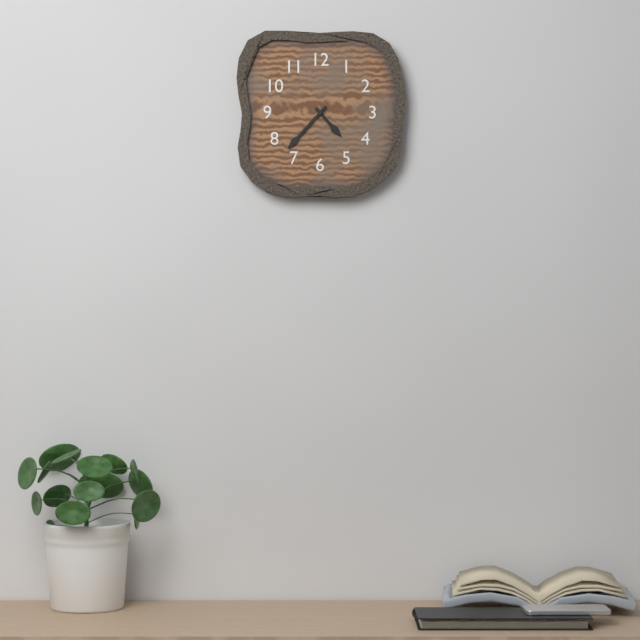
4:37
